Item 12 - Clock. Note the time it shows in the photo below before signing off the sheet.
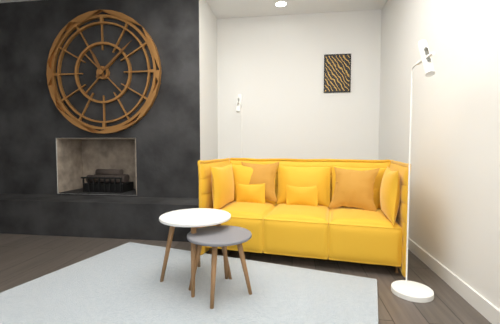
11:08
